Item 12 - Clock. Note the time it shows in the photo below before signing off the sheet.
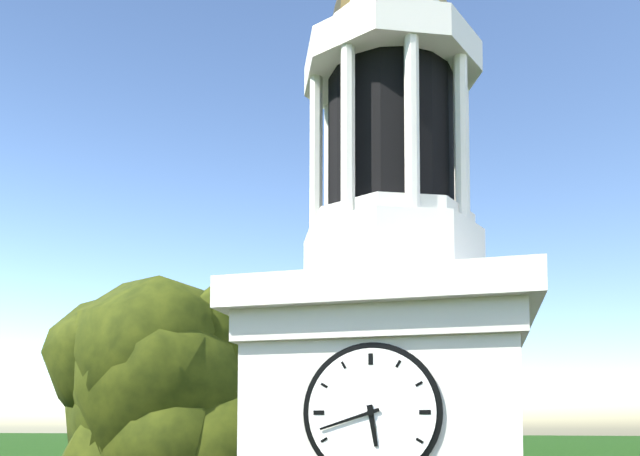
5:42
